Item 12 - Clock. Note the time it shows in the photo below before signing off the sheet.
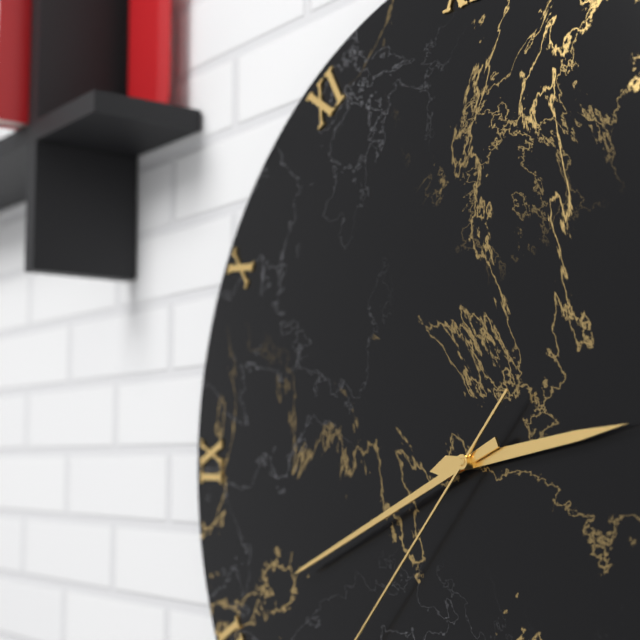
2:41
